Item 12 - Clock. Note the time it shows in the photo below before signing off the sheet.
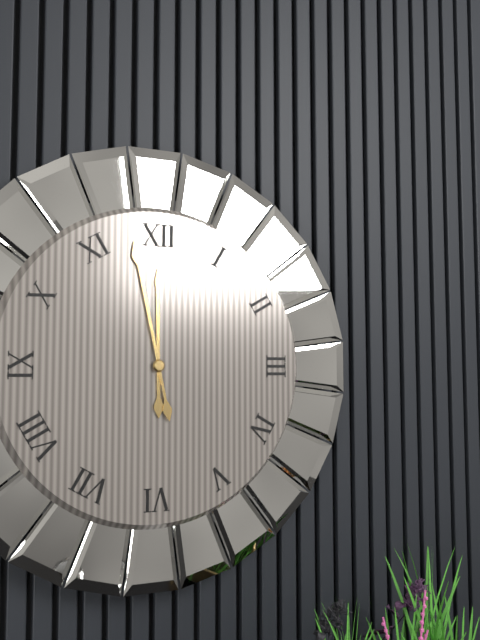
11:58
